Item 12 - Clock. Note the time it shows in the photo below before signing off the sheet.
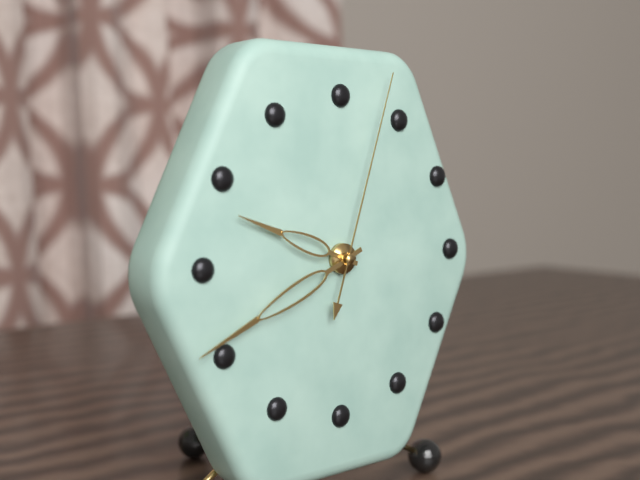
9:41:03
